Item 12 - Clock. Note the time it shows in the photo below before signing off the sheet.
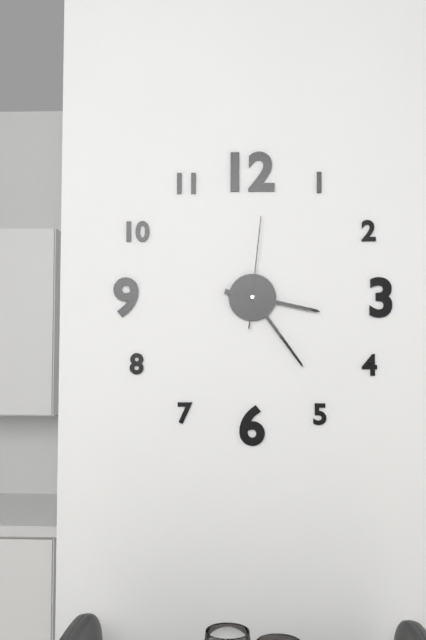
3:24:01
